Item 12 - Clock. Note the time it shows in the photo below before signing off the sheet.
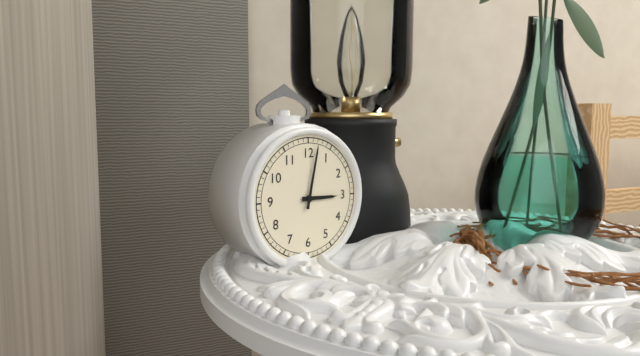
3:02
